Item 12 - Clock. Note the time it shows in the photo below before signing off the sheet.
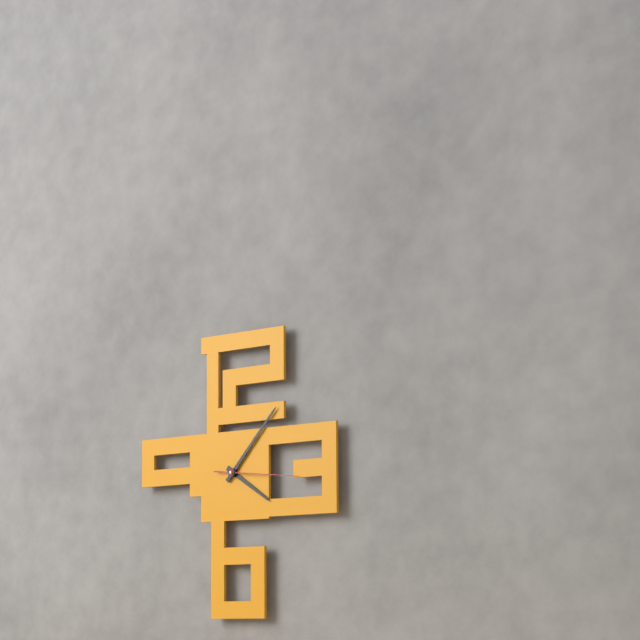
4:07:16
